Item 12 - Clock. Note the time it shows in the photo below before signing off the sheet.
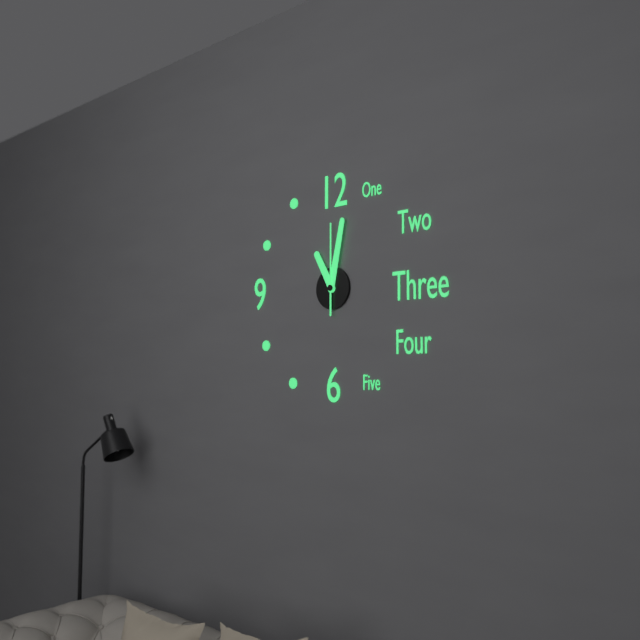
11:02:00
